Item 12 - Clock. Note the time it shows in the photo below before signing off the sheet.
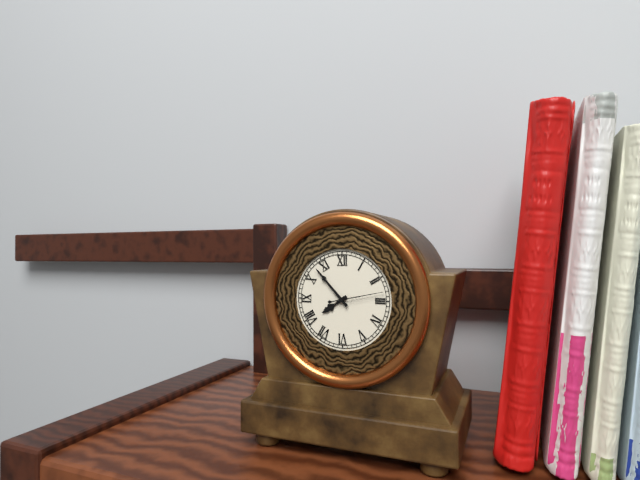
7:53:13
